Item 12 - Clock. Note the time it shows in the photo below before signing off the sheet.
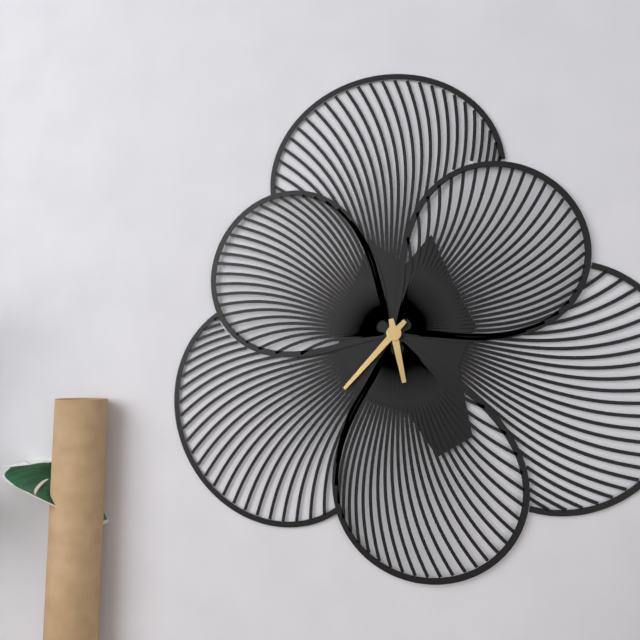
5:37
